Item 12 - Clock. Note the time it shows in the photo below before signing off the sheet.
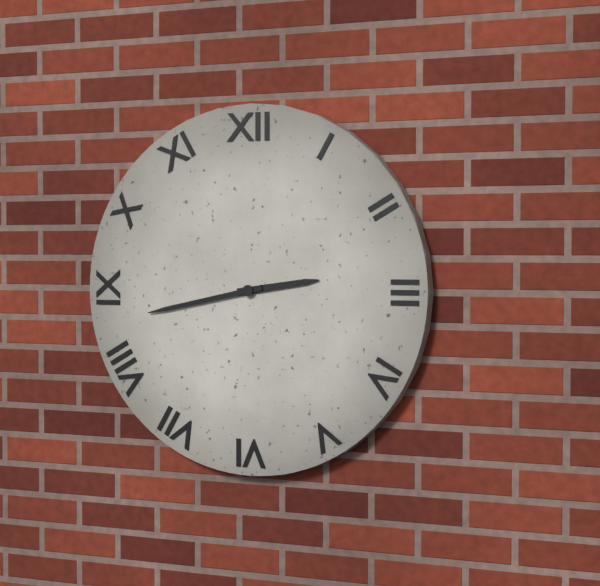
2:43
